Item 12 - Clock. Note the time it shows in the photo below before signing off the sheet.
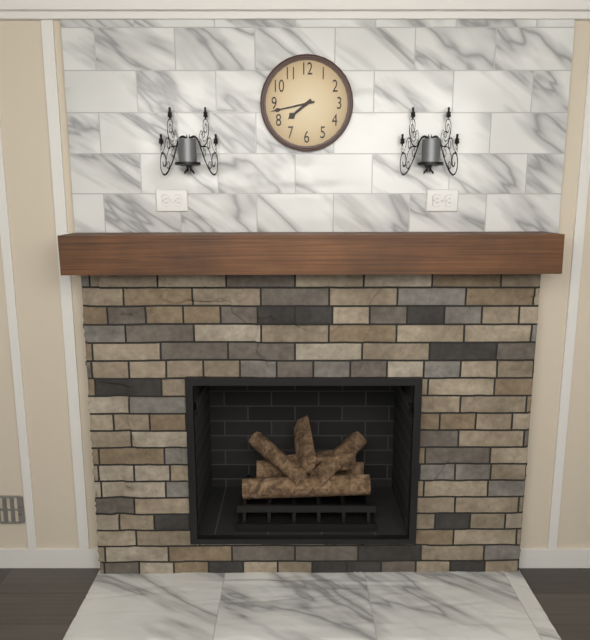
7:43
